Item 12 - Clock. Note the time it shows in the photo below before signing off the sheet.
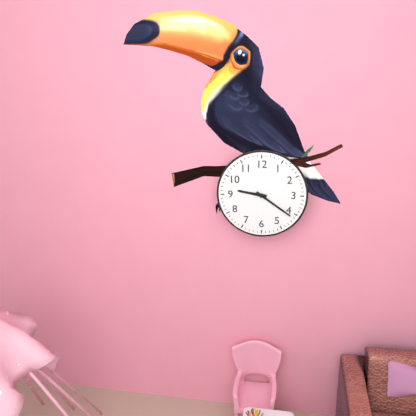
9:21
